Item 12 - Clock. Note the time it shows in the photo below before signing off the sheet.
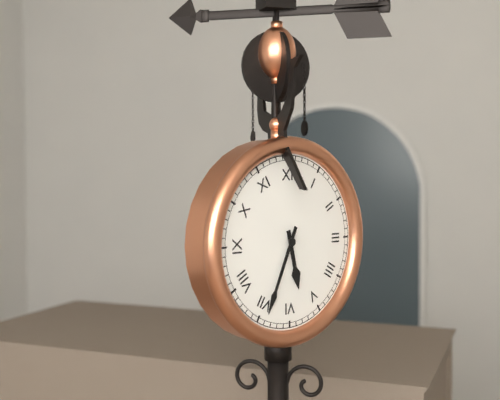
5:34
